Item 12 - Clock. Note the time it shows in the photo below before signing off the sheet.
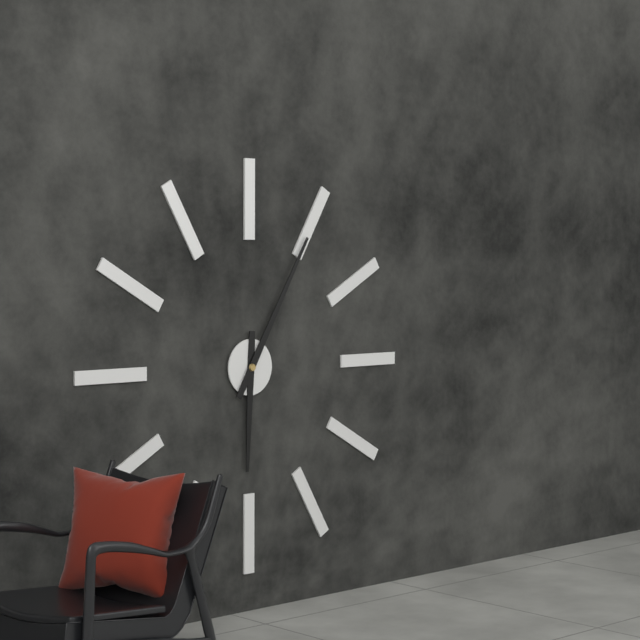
6:05
